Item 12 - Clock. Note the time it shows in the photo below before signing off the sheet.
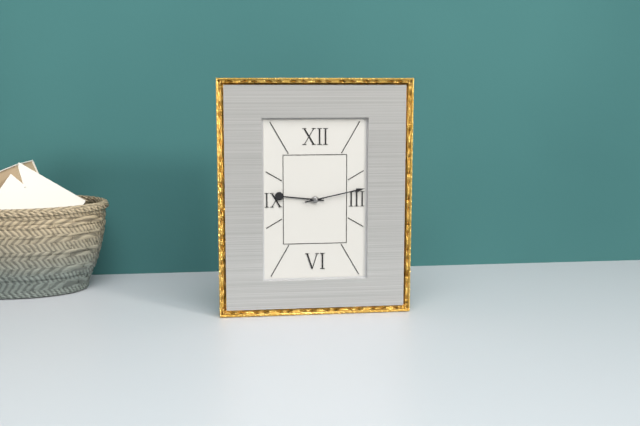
9:13
